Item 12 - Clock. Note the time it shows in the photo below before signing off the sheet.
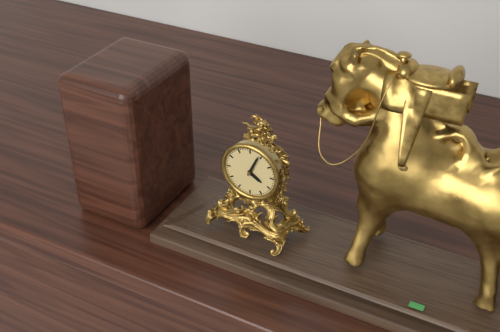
4:04
